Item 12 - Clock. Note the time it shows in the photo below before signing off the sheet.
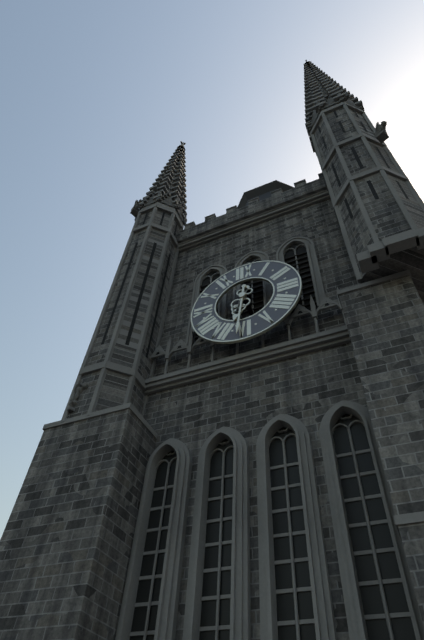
6:31
